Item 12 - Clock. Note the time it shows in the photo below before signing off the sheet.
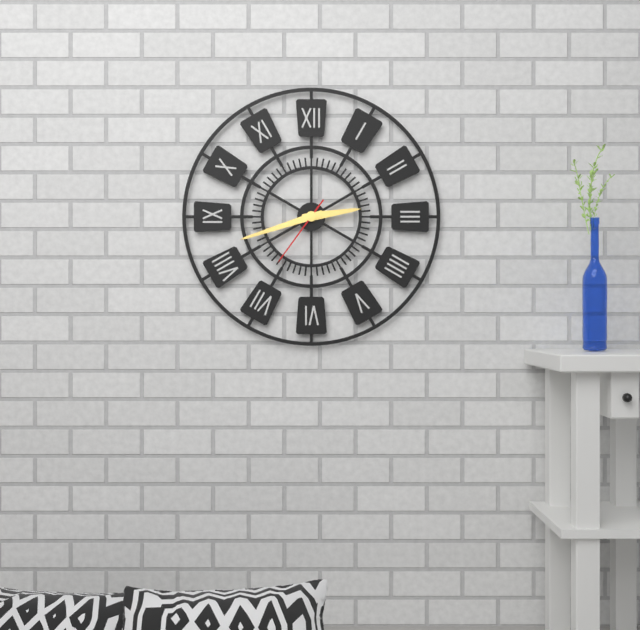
2:42:36
